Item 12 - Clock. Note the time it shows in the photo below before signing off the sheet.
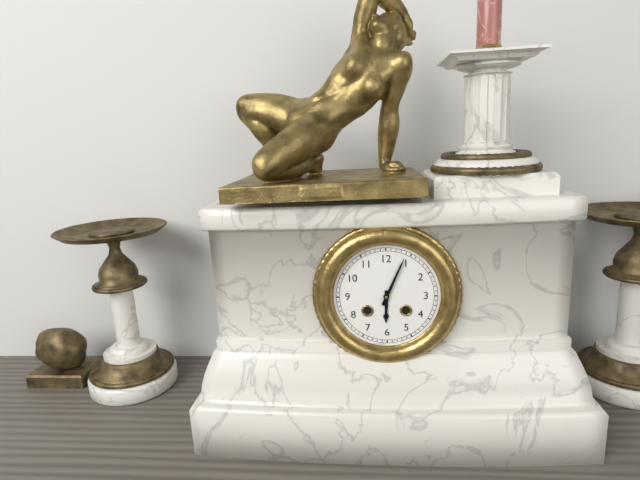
6:04
